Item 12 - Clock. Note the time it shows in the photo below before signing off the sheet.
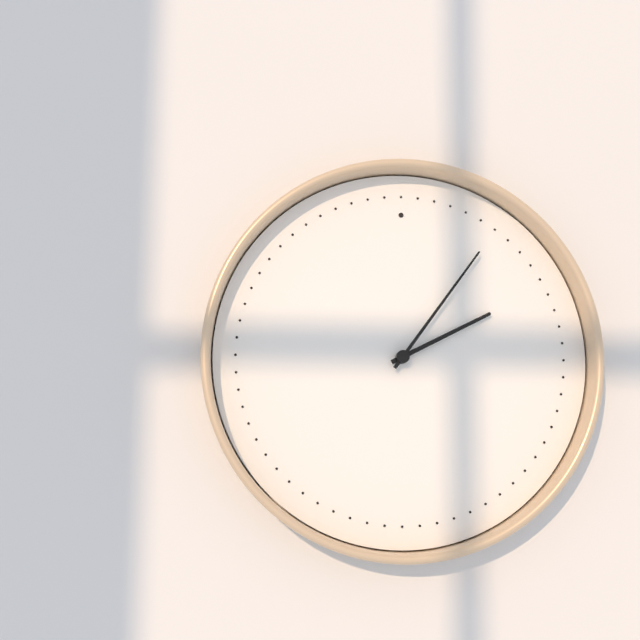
2:06
